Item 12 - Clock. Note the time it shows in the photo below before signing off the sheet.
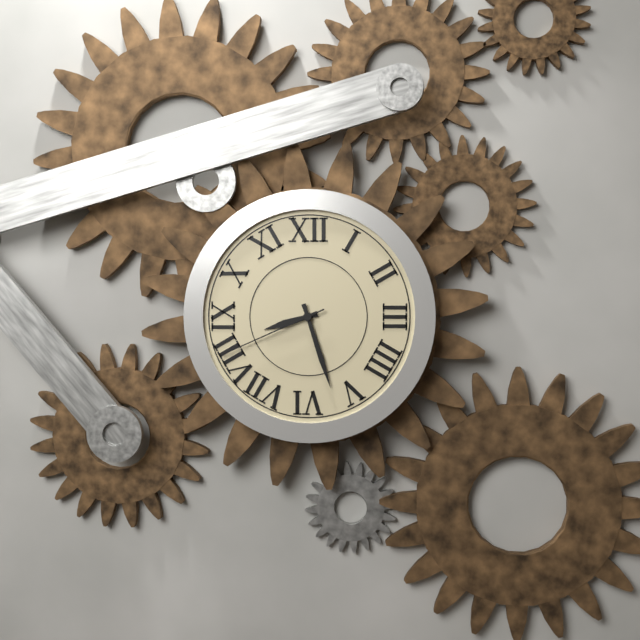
8:27:41
